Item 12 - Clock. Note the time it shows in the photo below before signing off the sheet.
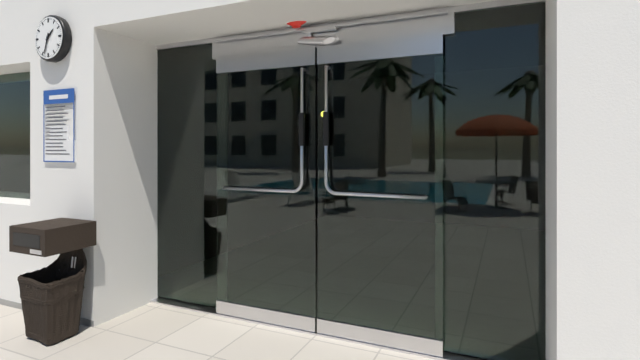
1:33
